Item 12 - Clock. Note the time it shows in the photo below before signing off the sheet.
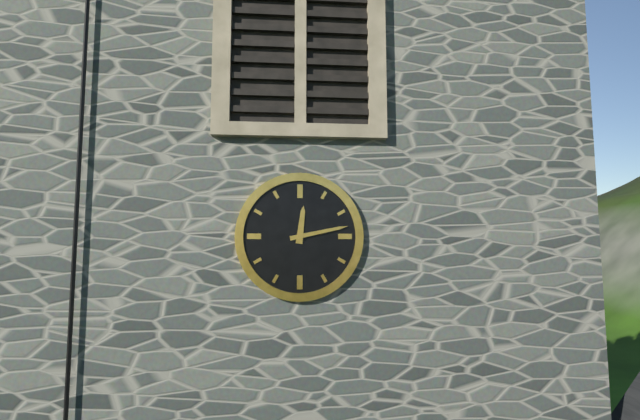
12:13
